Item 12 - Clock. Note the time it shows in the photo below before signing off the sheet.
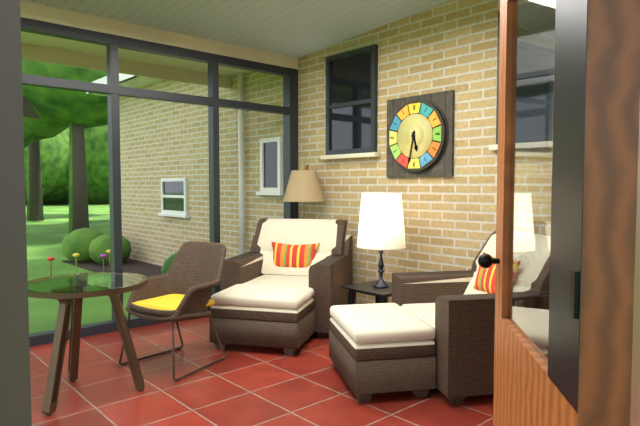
5:32
